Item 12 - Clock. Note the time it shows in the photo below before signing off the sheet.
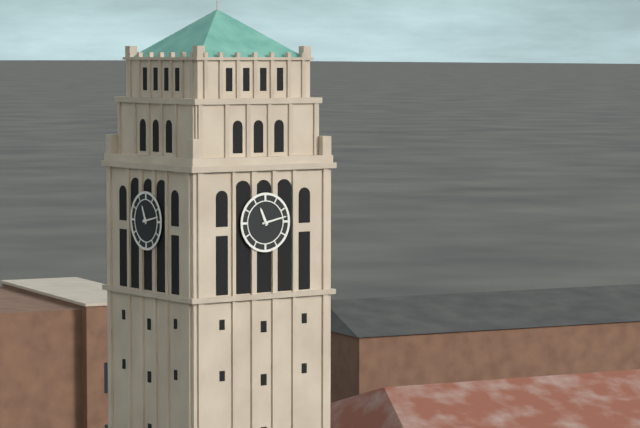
11:13
